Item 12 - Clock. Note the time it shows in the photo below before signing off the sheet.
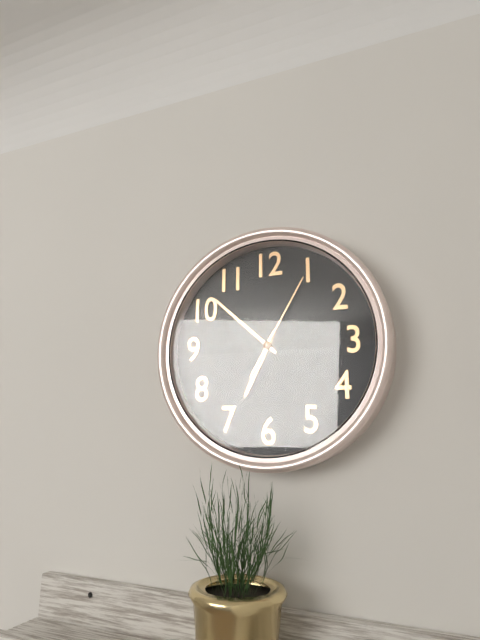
6:52:05
